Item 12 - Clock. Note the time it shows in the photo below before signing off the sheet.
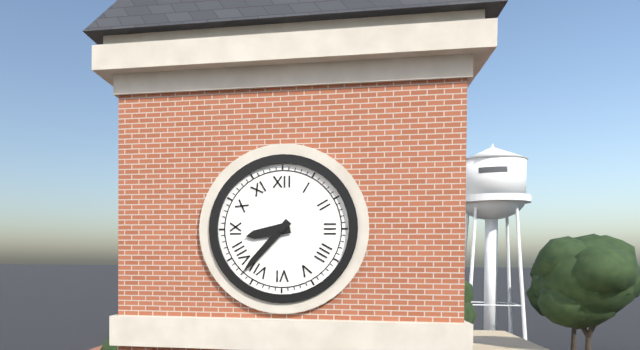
8:37
